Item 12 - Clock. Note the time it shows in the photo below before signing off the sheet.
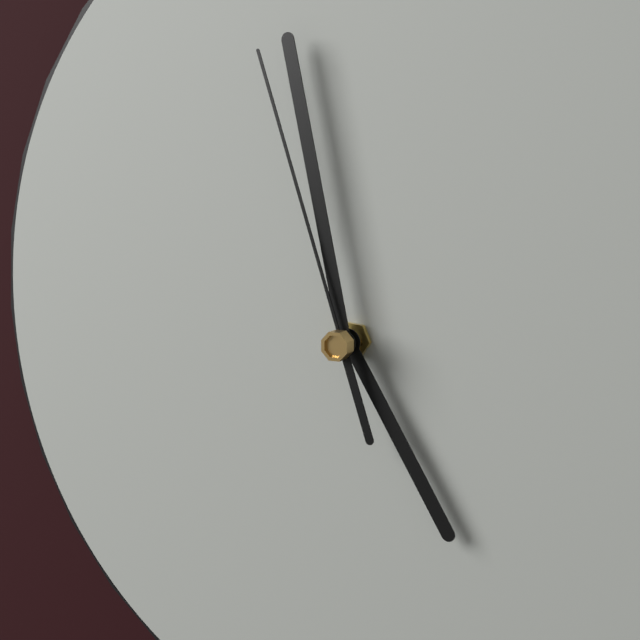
4:58:57
